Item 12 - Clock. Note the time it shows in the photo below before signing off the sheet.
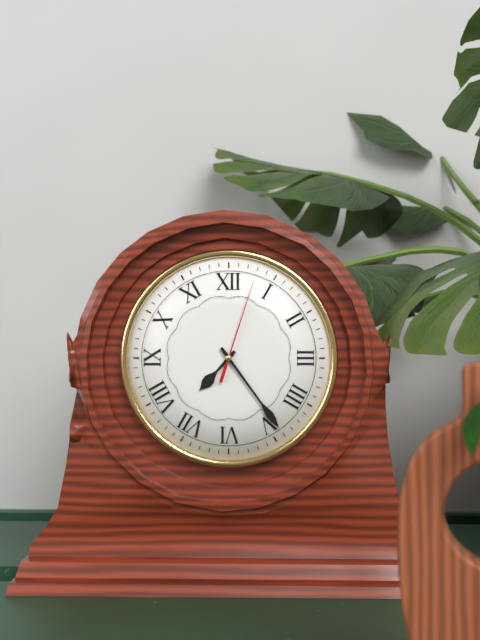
7:24:03
